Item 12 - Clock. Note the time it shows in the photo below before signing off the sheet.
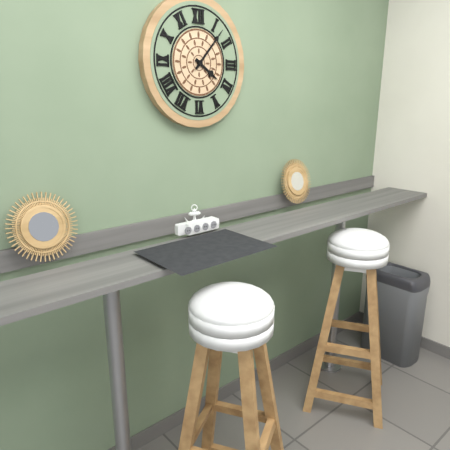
4:07
